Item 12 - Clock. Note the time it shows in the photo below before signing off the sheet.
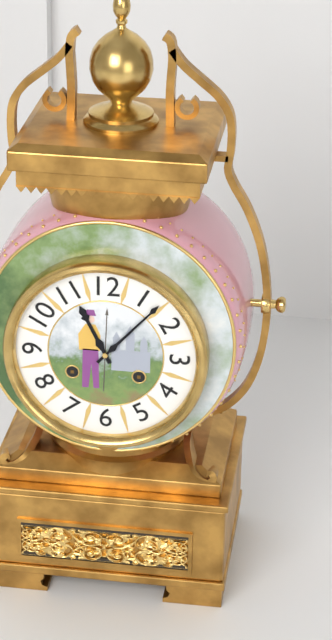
11:07
